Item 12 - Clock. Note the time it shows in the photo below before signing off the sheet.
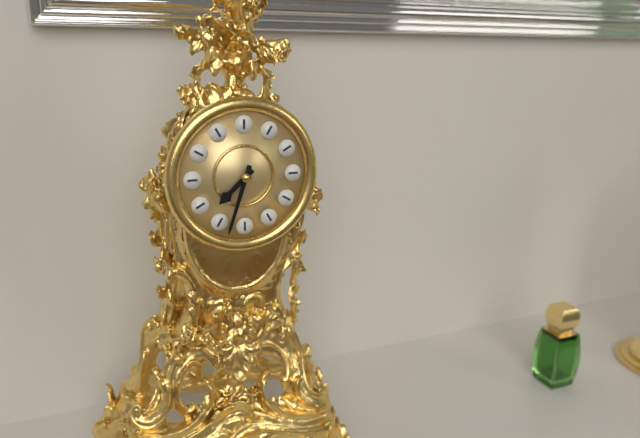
7:33
